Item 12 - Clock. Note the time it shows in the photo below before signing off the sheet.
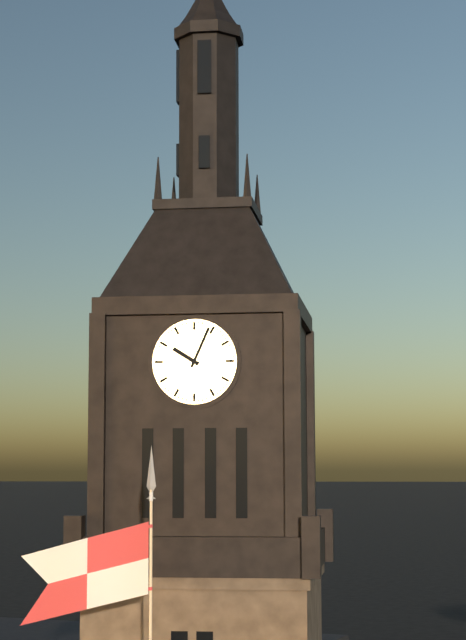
10:04
